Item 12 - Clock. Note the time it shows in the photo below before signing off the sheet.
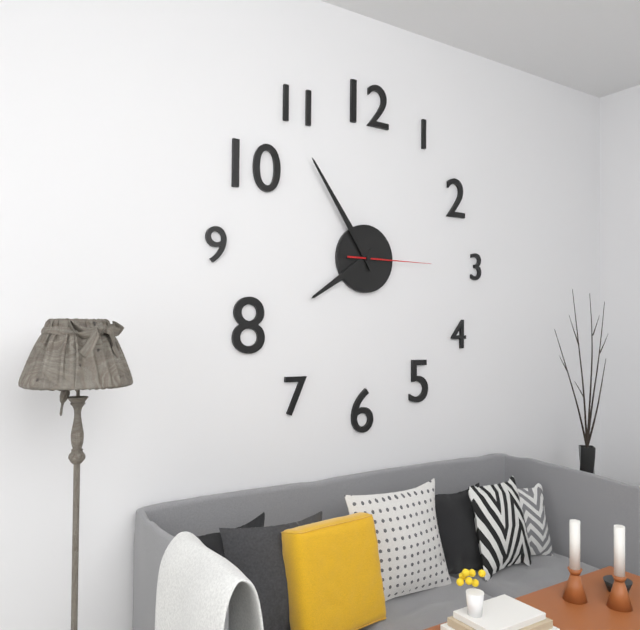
7:54:15
